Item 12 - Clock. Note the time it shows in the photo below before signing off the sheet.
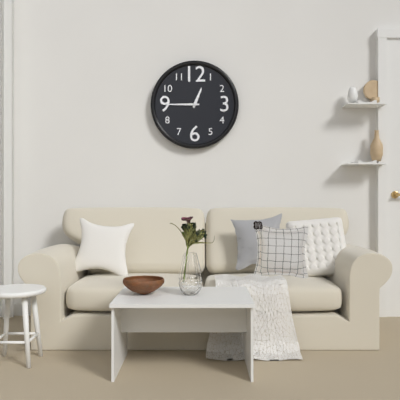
12:45
